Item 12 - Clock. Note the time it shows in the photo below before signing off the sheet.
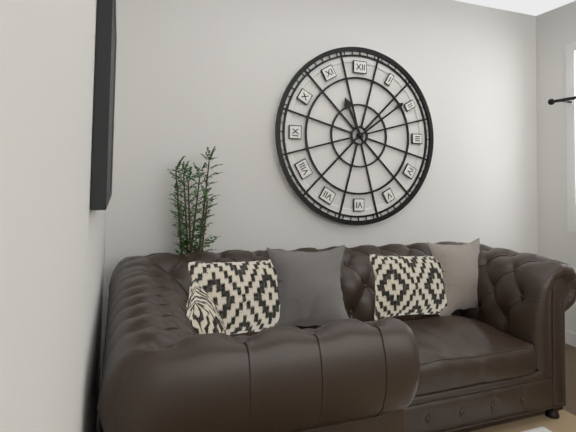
11:09
